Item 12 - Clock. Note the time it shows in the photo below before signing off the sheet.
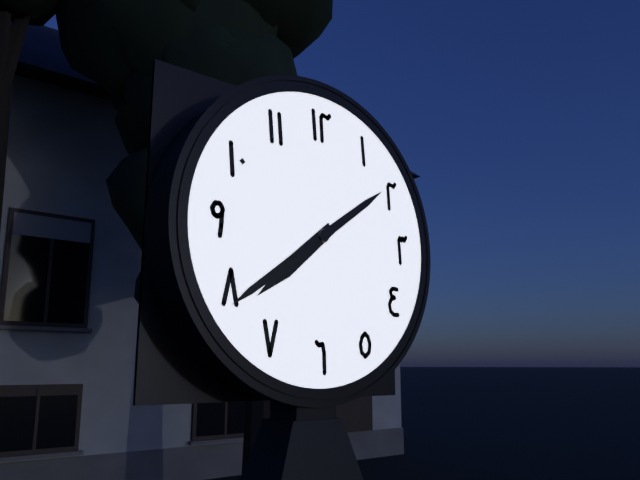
7:39
